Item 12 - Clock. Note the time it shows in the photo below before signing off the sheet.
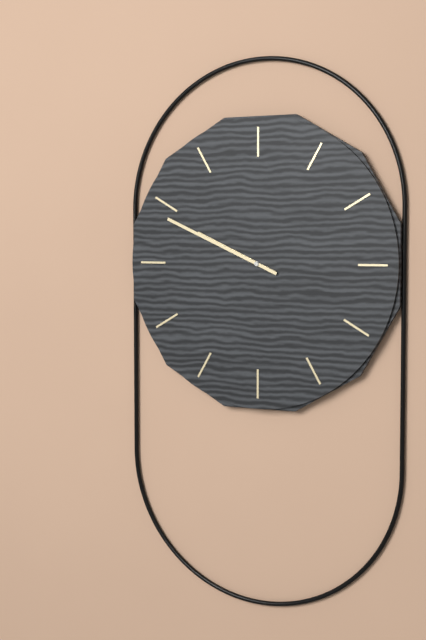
9:49
